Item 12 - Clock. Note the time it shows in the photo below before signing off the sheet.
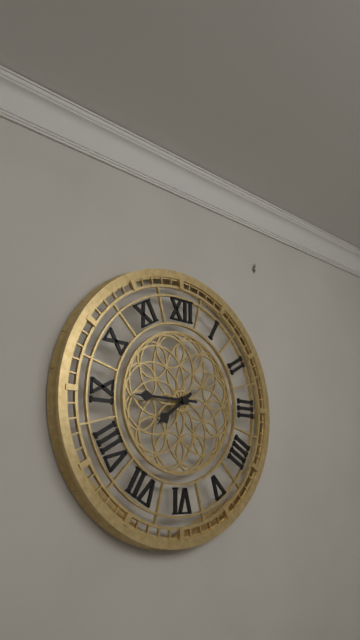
7:45
